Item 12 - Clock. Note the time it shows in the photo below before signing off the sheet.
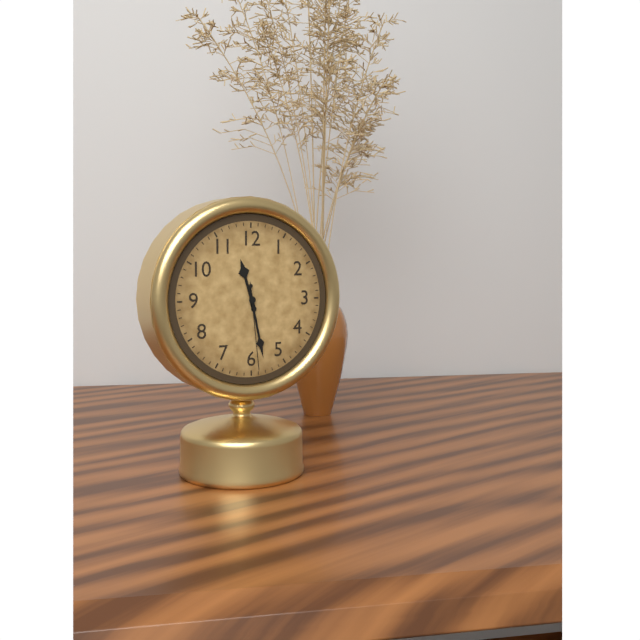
11:28:29
